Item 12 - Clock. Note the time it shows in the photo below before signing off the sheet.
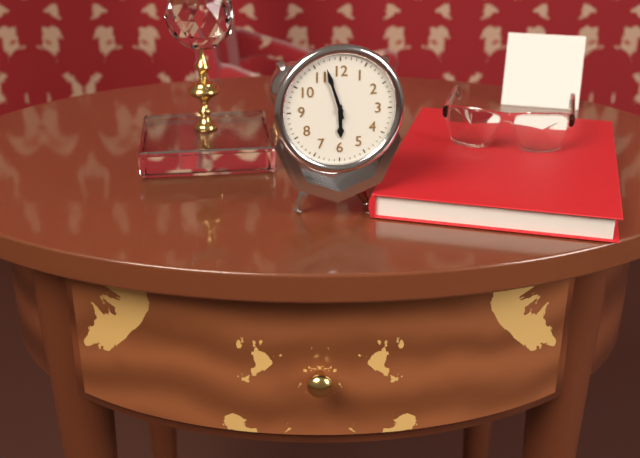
5:57
